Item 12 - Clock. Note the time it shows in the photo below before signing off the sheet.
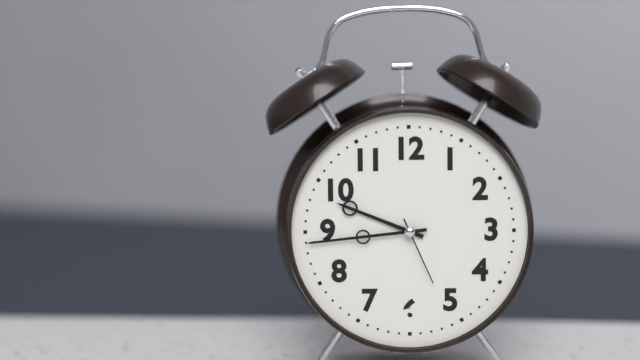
9:44:26
